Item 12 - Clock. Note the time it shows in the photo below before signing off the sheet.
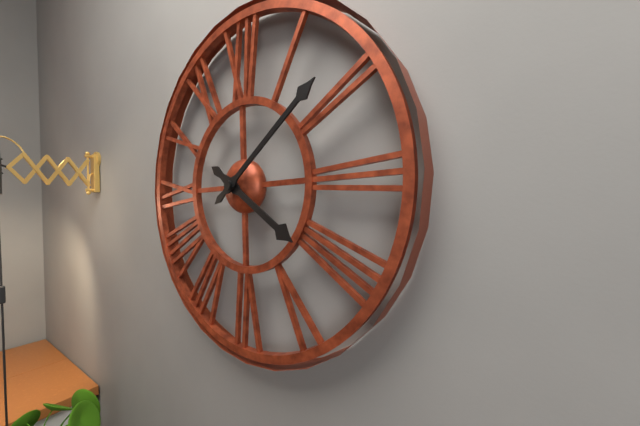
4:09
